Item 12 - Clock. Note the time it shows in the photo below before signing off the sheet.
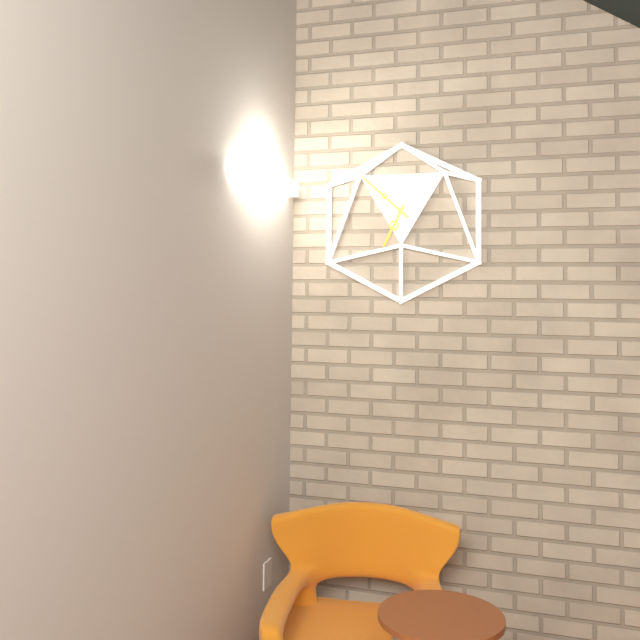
6:52
